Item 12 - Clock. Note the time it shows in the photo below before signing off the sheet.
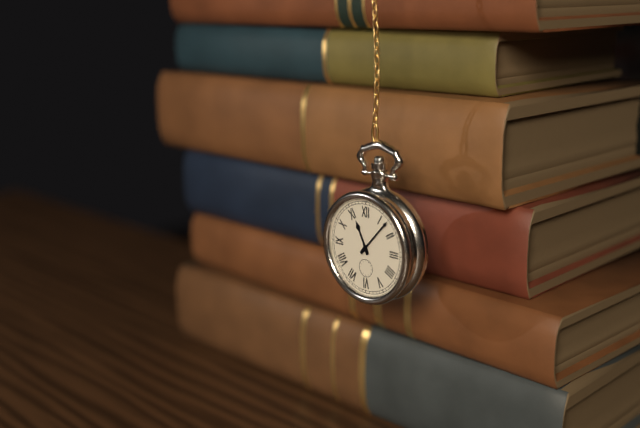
11:07
